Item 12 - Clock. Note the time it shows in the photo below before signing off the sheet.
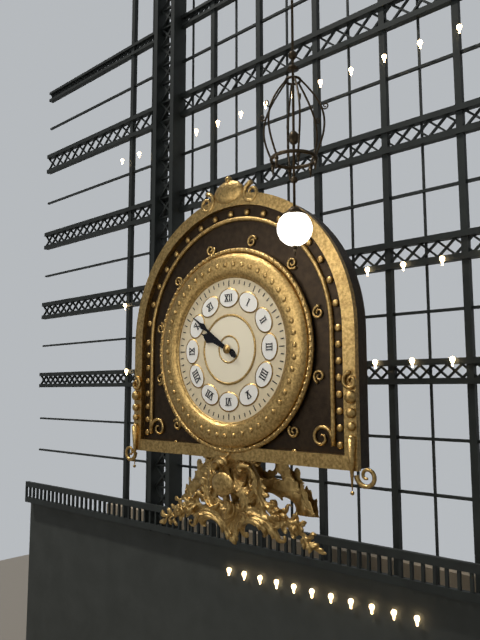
9:51
